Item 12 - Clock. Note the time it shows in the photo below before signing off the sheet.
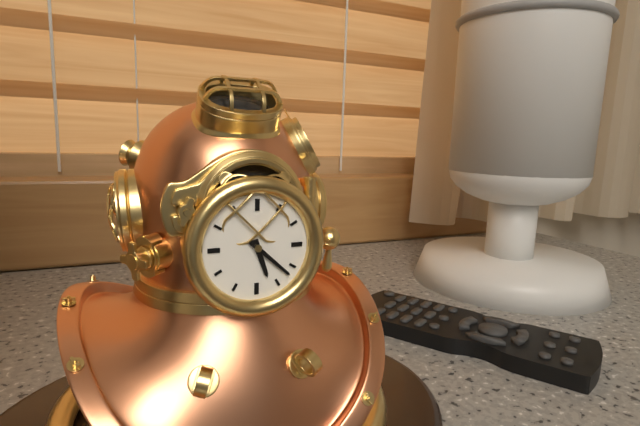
5:22
